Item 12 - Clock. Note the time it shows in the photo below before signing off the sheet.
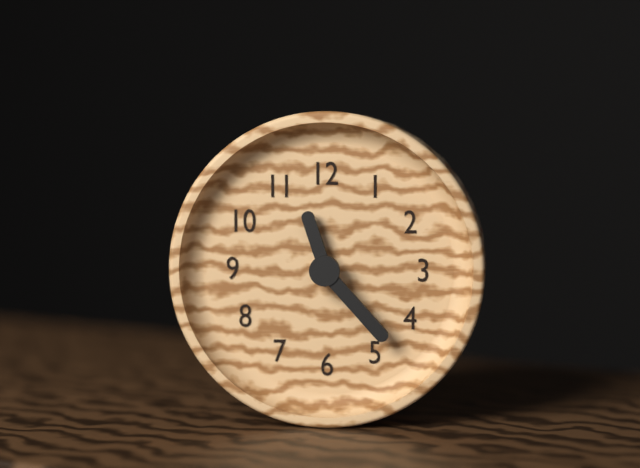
11:23
